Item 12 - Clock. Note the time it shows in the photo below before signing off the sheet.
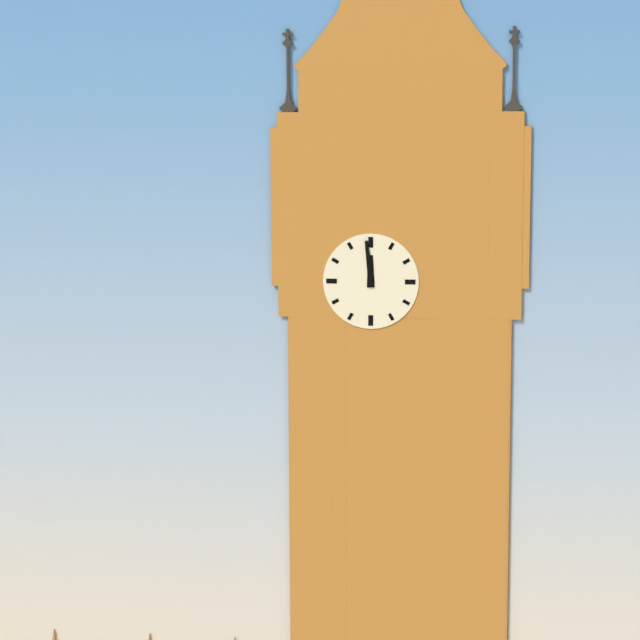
11:59
